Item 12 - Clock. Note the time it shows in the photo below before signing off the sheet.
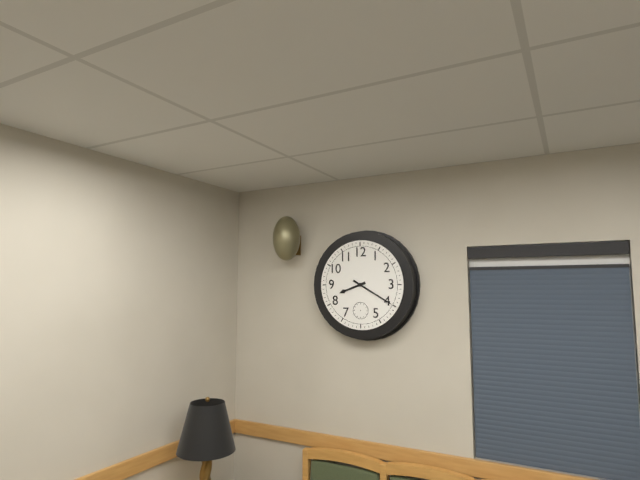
8:20
